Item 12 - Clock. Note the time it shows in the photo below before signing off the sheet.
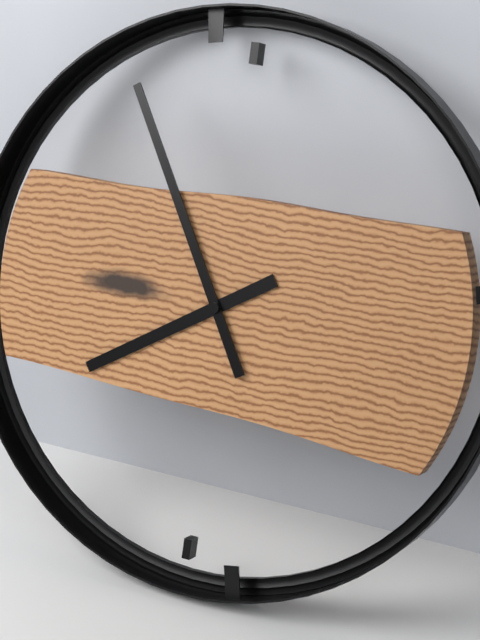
7:55
